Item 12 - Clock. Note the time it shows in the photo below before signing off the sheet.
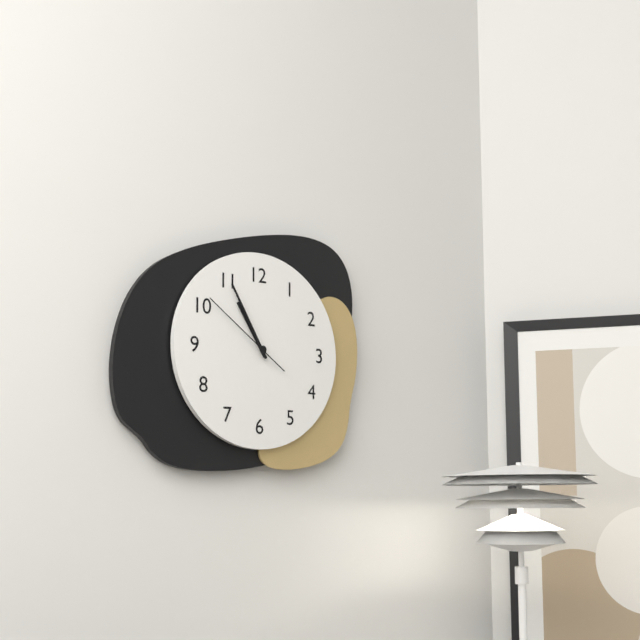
10:55:51
